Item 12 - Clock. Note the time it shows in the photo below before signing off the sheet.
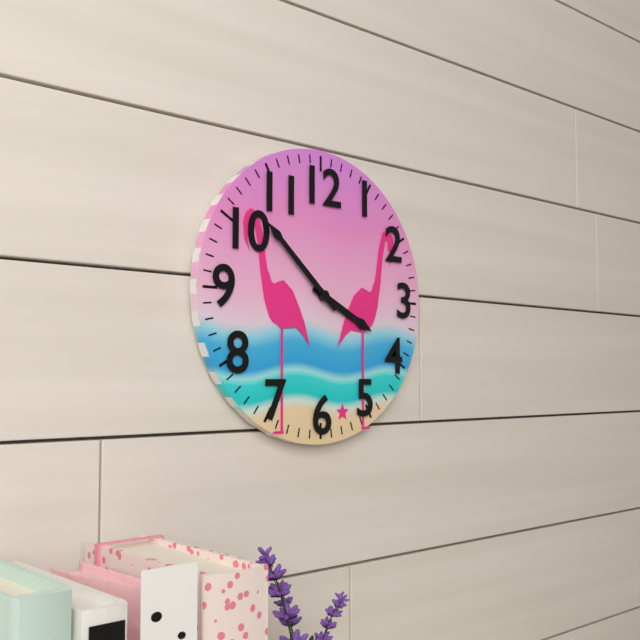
3:52
